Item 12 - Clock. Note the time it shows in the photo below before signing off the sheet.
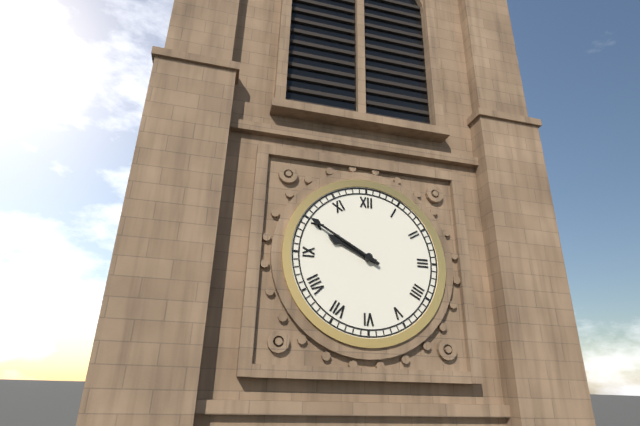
9:50
